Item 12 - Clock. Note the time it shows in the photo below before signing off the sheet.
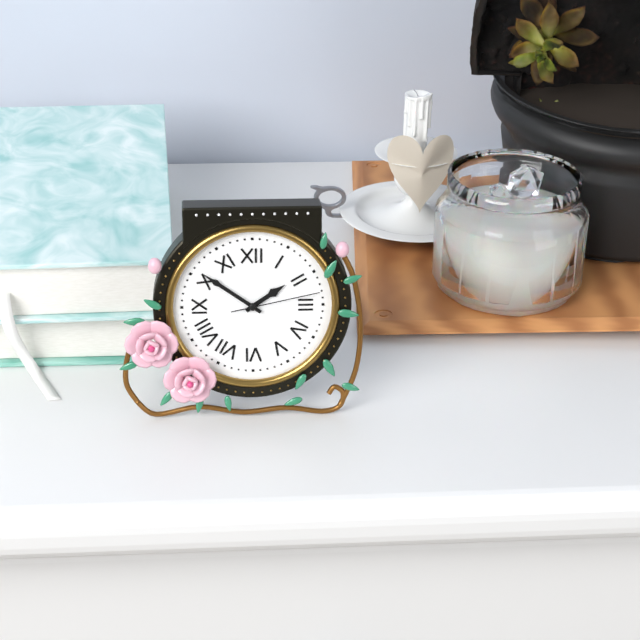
1:51:13
